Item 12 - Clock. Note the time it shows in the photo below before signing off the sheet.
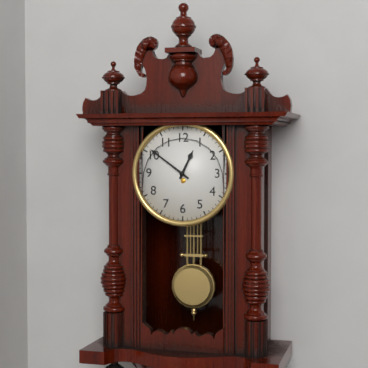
12:51
